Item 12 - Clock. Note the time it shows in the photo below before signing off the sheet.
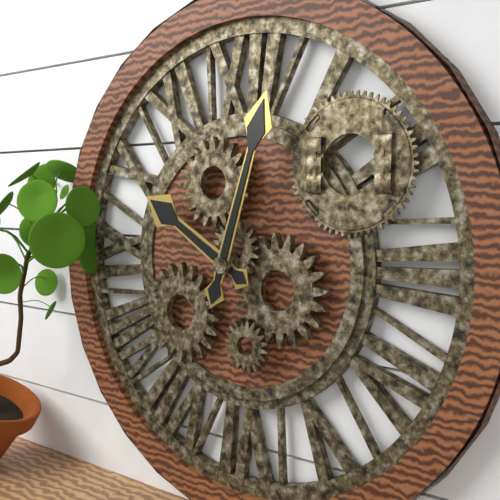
10:03
